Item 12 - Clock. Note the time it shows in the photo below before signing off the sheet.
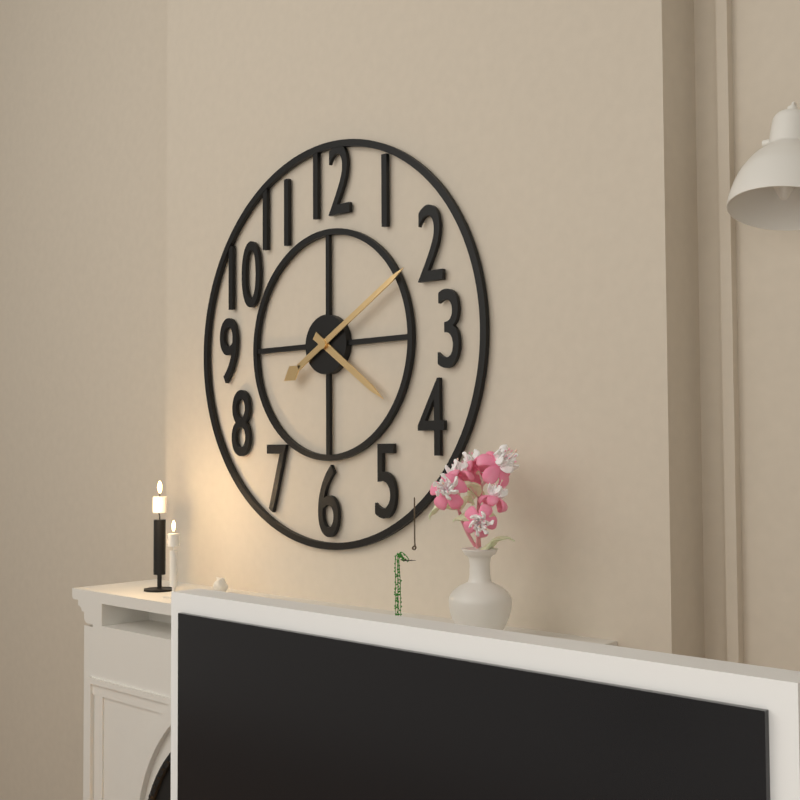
4:10
